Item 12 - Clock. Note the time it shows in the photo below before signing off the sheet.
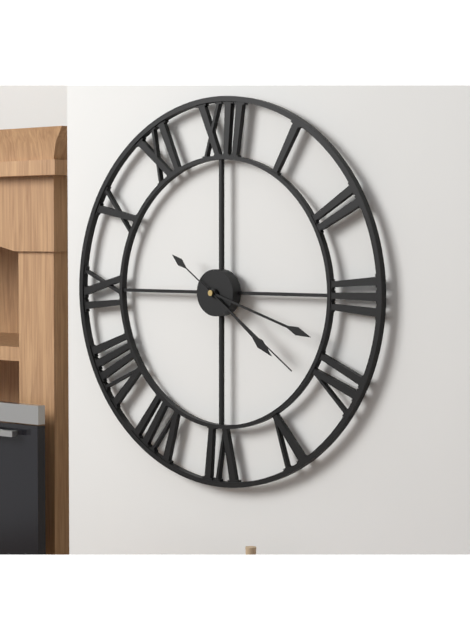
4:18:21
